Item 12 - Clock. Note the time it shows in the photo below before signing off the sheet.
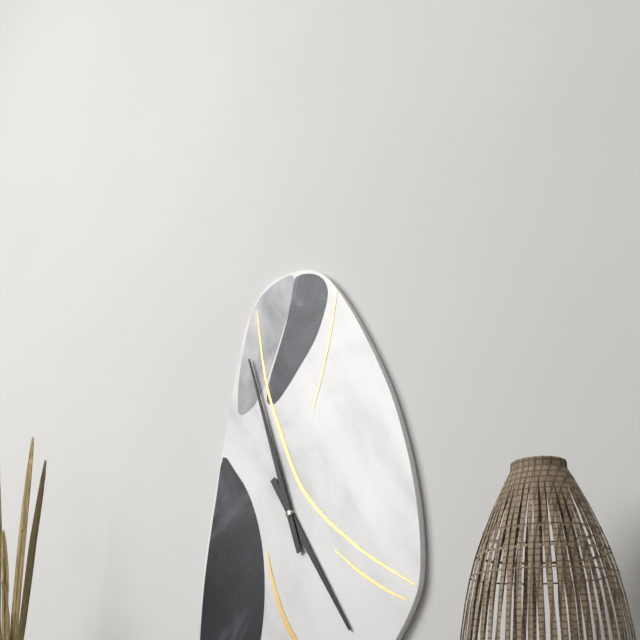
4:57
